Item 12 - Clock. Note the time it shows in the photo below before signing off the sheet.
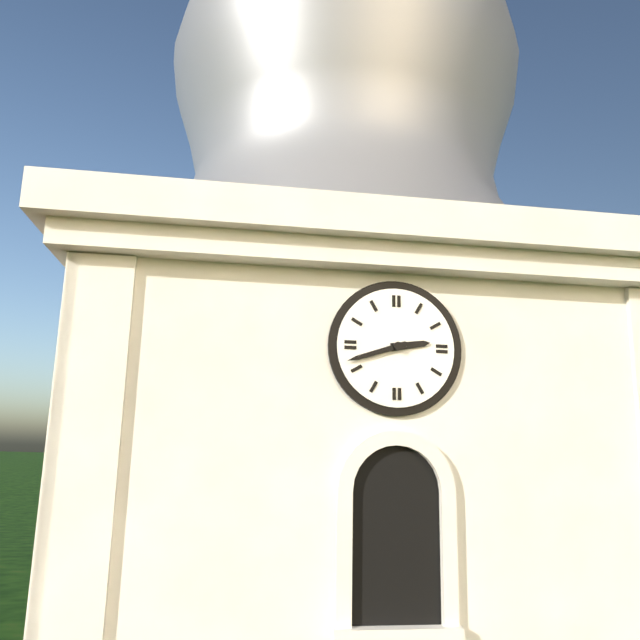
2:42
